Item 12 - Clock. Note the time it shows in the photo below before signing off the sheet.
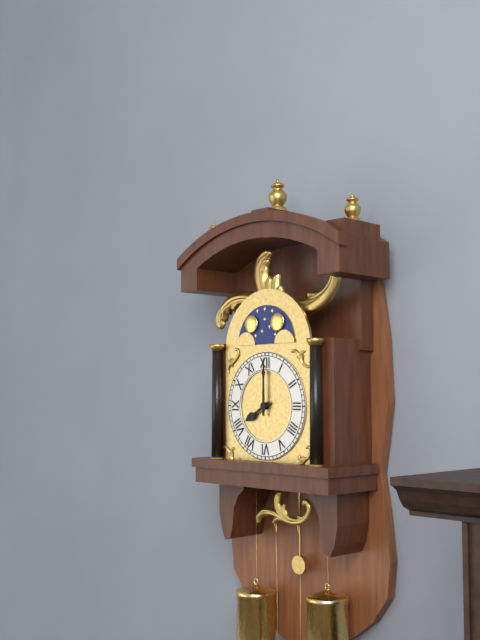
8:00
